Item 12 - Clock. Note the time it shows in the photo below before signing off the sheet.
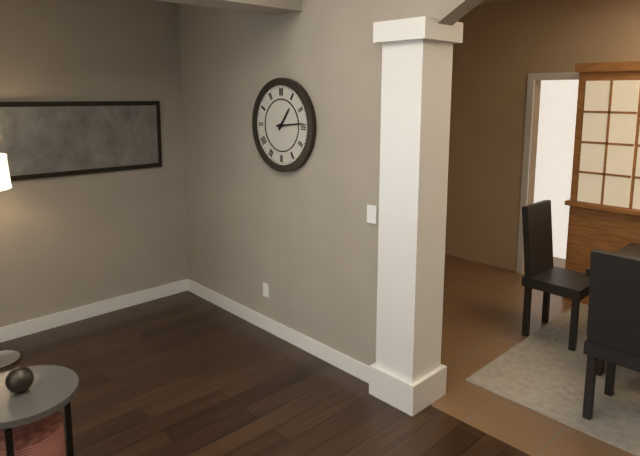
1:14
